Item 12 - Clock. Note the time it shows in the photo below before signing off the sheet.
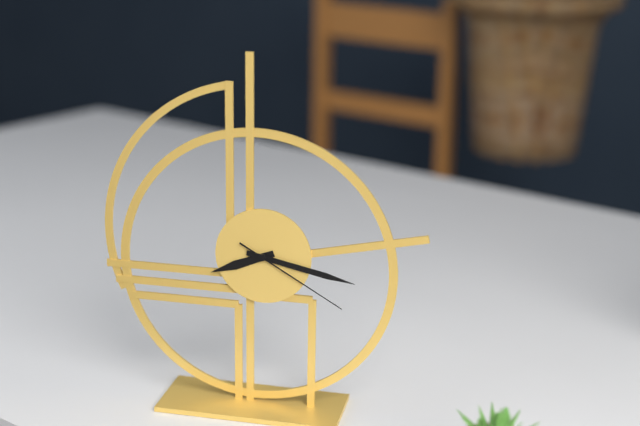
8:17:20
